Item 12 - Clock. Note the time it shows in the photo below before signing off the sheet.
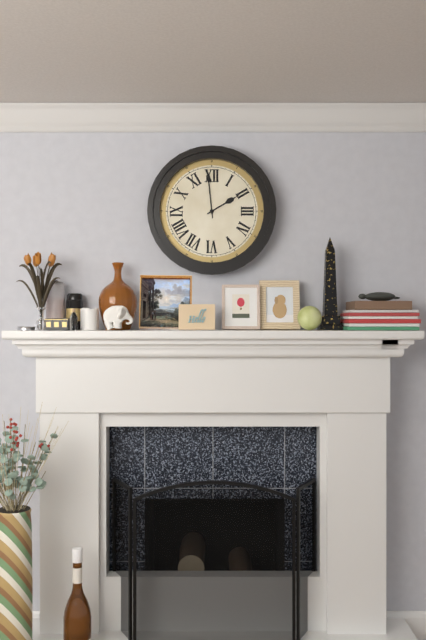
1:59
